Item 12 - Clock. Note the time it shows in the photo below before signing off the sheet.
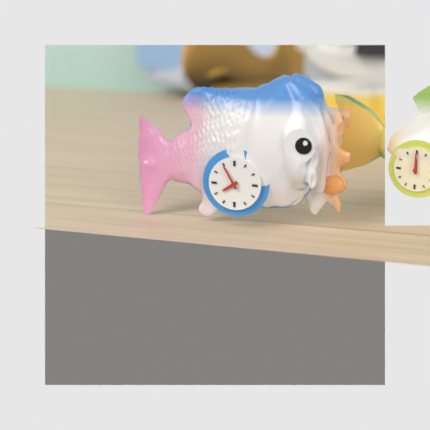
7:55
